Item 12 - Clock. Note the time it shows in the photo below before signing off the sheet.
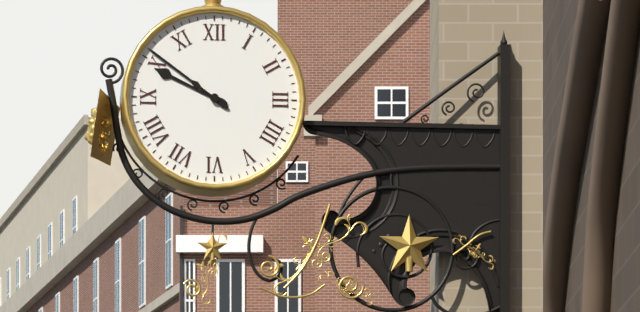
9:51
